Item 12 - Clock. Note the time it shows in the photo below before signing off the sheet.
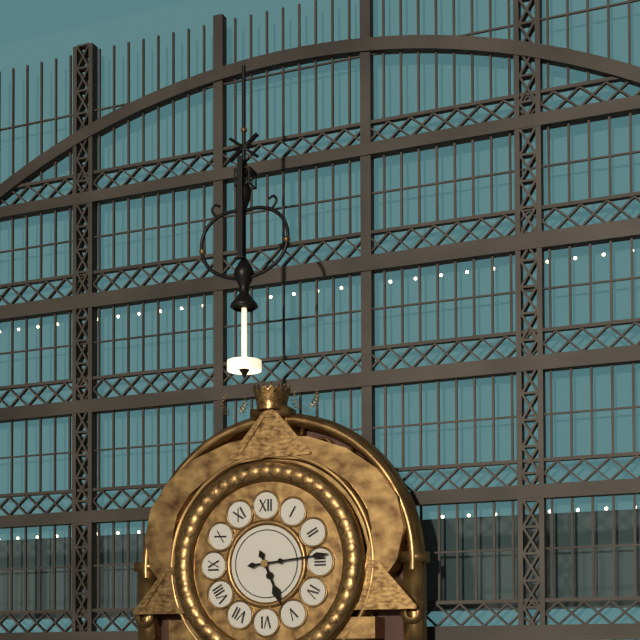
5:14
